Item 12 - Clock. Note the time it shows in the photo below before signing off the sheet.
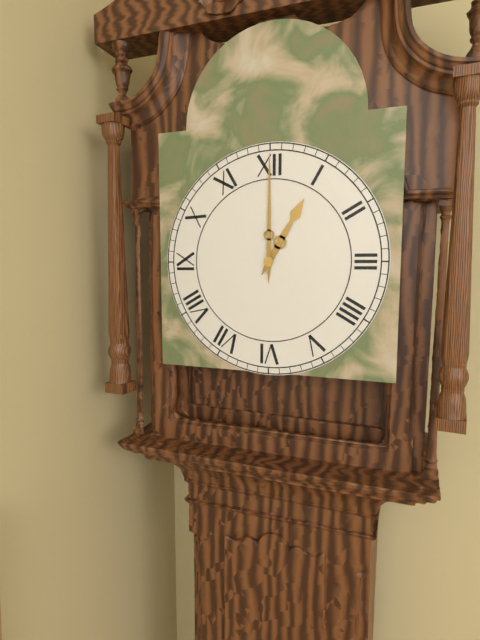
1:00
